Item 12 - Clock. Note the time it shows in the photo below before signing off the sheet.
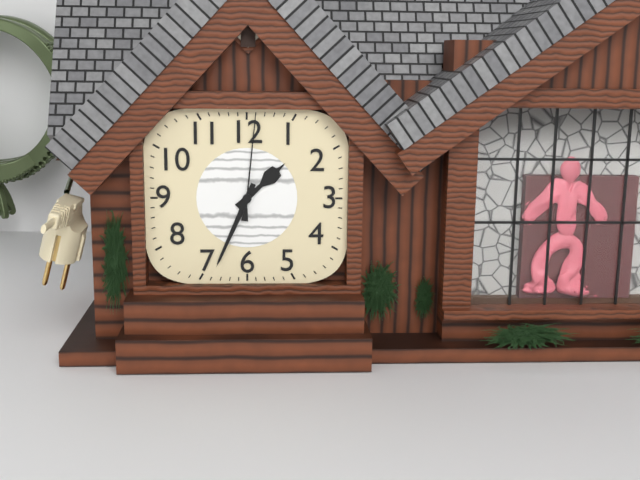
1:34:01
